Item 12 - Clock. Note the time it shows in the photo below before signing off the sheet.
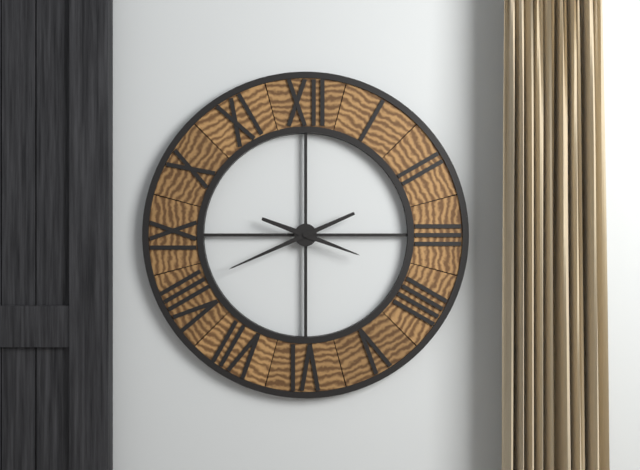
3:41
